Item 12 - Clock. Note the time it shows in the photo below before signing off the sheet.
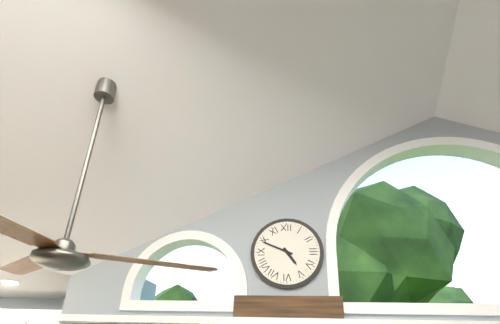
4:49
